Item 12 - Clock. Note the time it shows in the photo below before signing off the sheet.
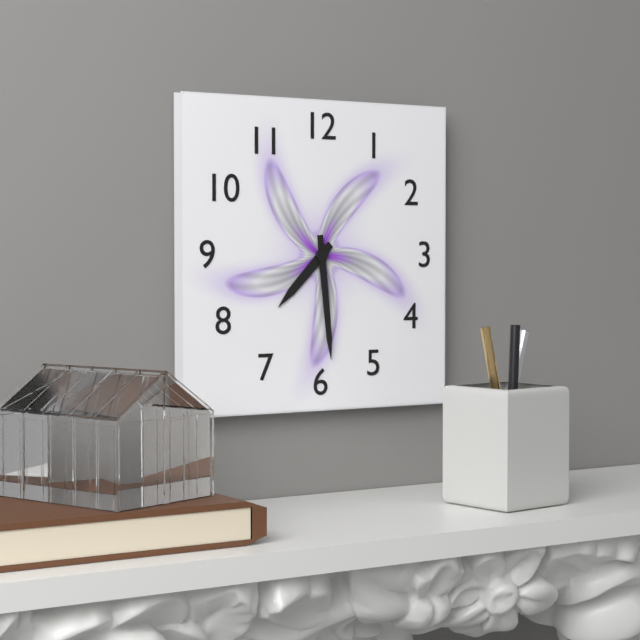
7:29
